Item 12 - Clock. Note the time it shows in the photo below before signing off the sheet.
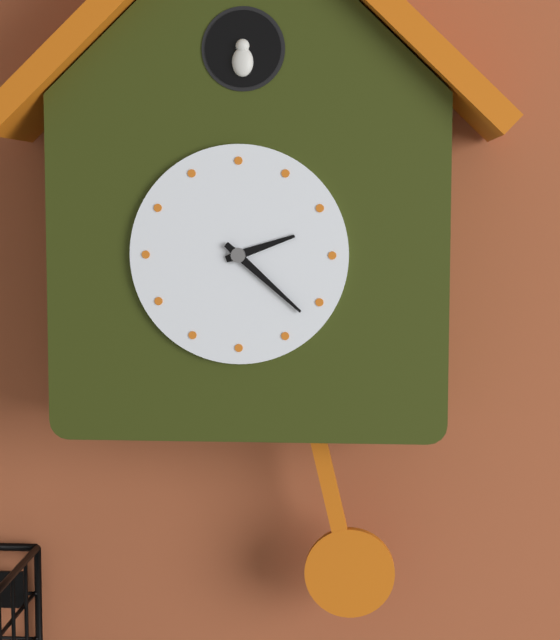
2:22
